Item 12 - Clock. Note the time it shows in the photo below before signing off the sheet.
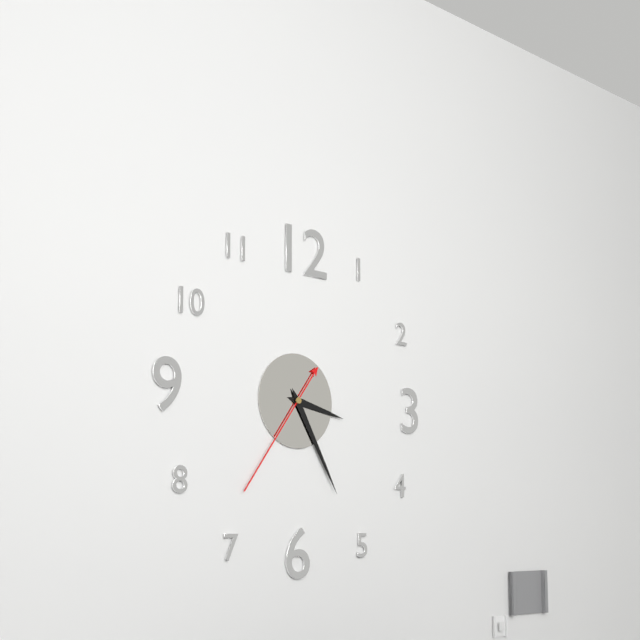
3:25:36
